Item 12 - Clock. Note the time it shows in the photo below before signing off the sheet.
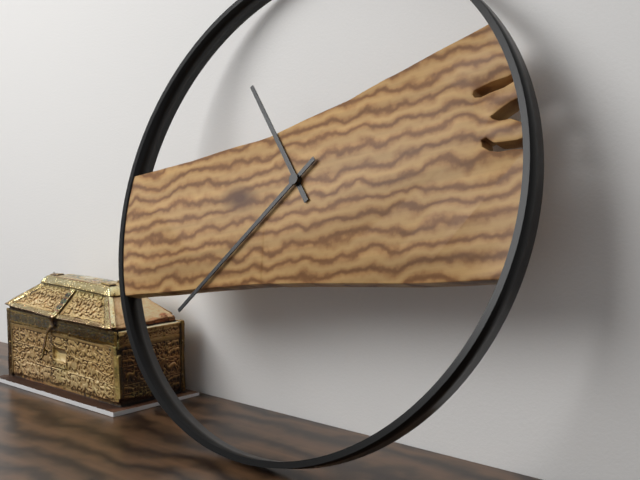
10:37
